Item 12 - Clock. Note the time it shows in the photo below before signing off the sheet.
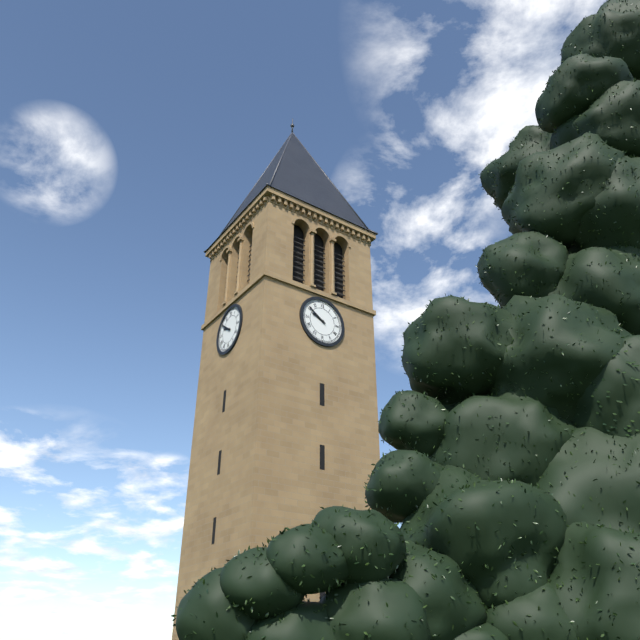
9:51
